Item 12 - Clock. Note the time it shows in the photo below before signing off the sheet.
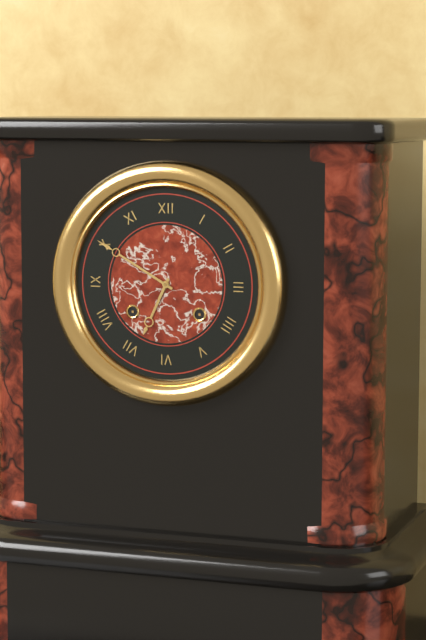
6:50
